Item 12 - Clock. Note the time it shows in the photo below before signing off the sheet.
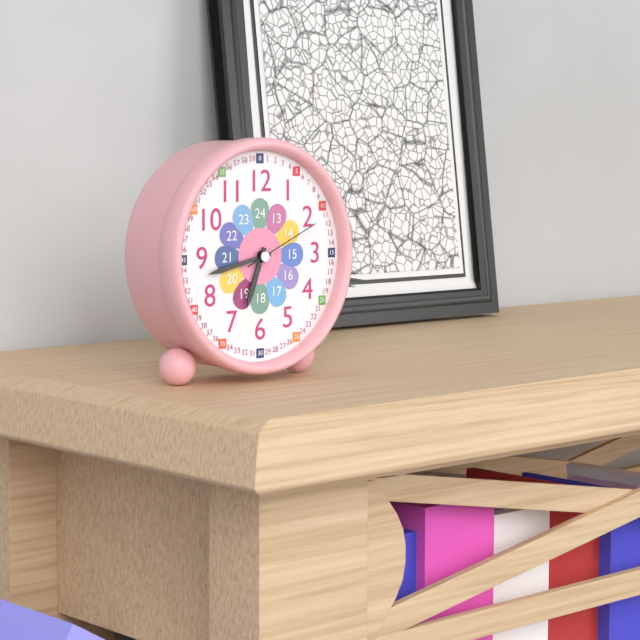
6:43:11
